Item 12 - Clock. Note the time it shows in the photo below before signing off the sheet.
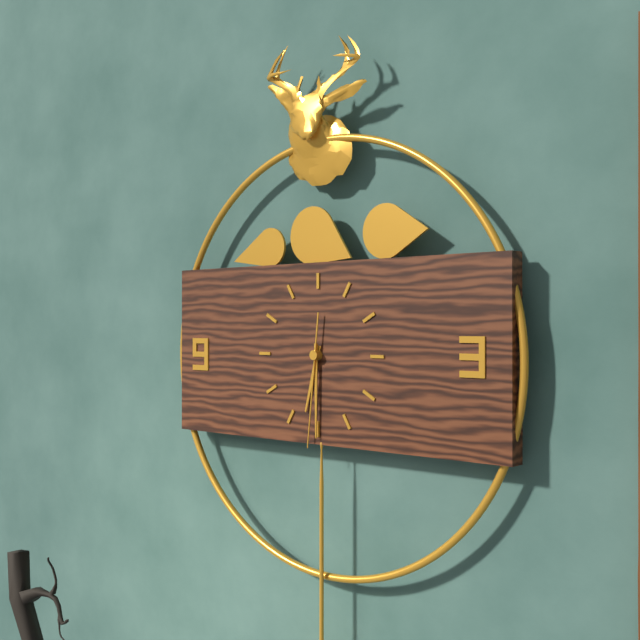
6:30:31
